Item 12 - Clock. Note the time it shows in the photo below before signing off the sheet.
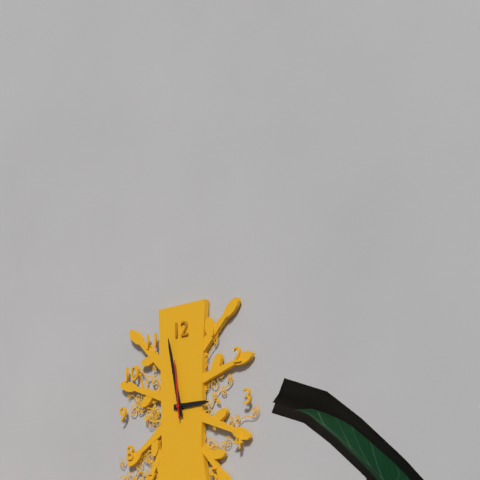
2:58:59
